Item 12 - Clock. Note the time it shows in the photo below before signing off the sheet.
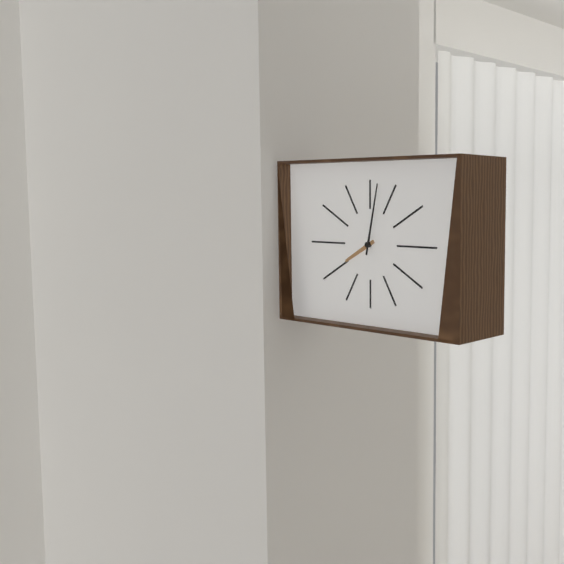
8:02
